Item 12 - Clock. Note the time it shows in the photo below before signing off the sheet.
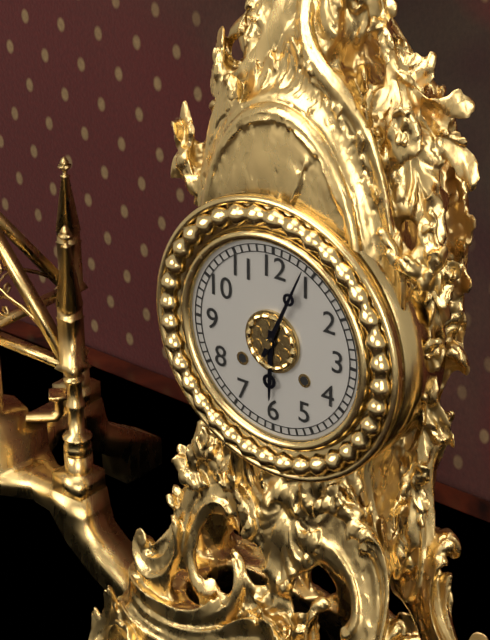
6:04
